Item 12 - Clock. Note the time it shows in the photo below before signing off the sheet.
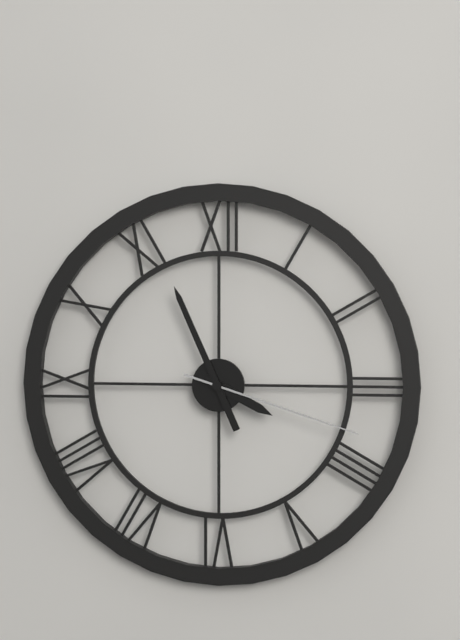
3:56:18
